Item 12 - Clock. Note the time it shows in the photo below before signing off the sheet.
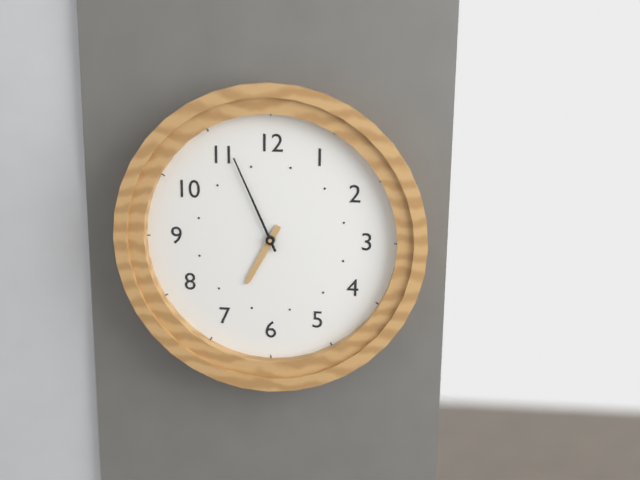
6:56
